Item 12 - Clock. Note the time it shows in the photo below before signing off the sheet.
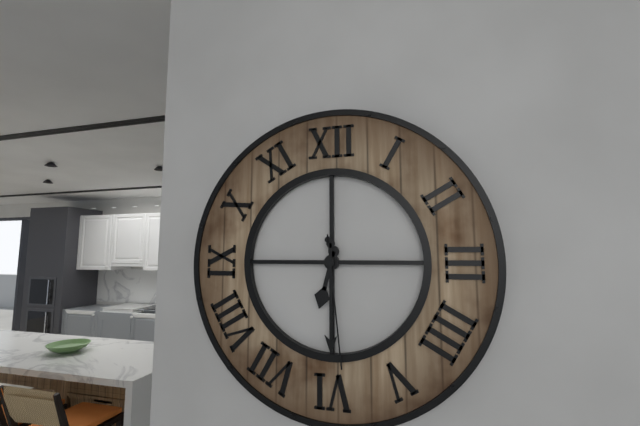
6:30:29
